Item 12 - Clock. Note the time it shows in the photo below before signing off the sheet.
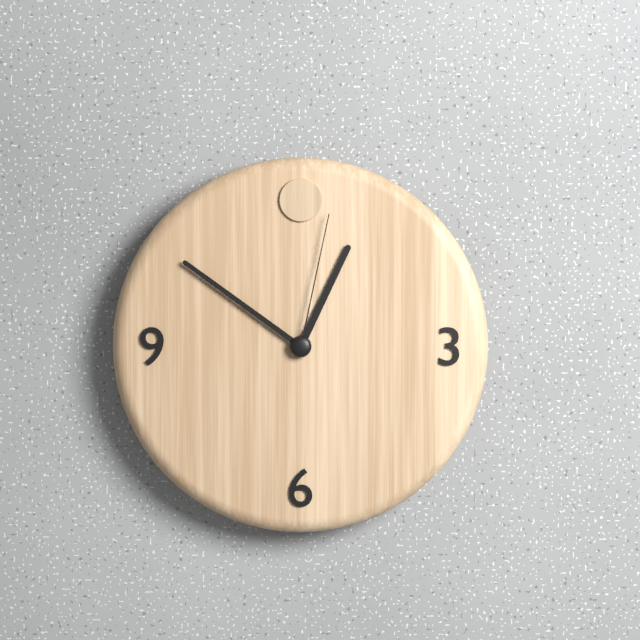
12:51:02
